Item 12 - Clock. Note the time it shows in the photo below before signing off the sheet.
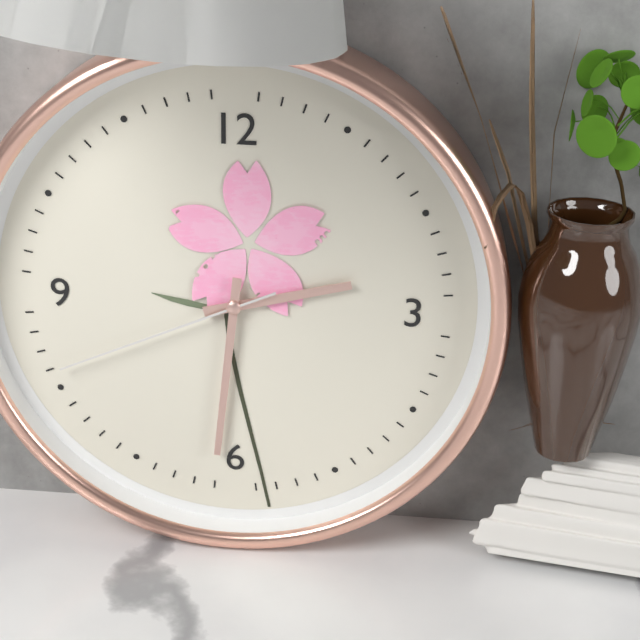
2:31:41
